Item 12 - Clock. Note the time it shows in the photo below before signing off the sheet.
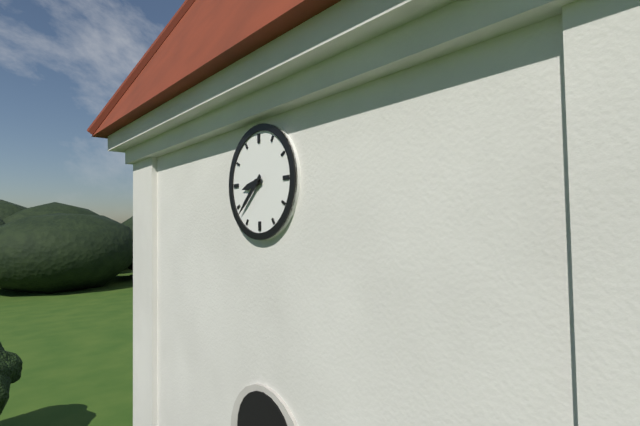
8:38
